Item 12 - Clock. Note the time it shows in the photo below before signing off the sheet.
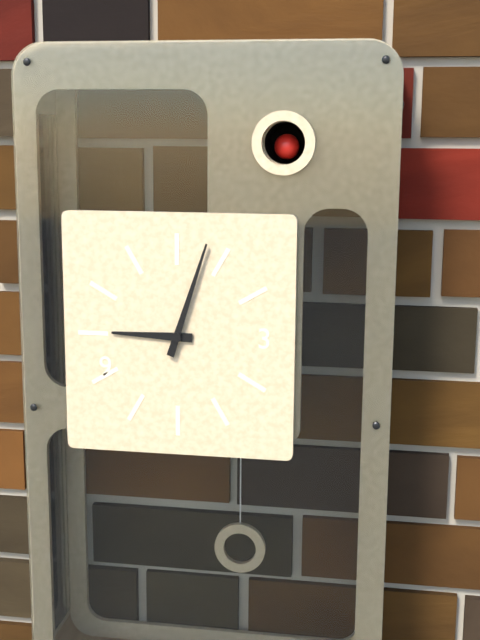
9:03
